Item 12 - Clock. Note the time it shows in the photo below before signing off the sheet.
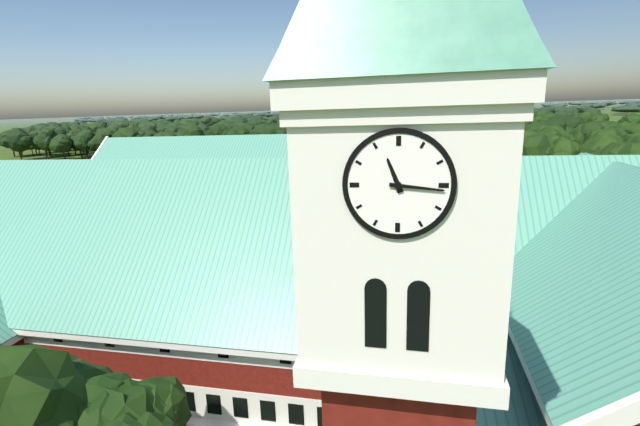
11:16
